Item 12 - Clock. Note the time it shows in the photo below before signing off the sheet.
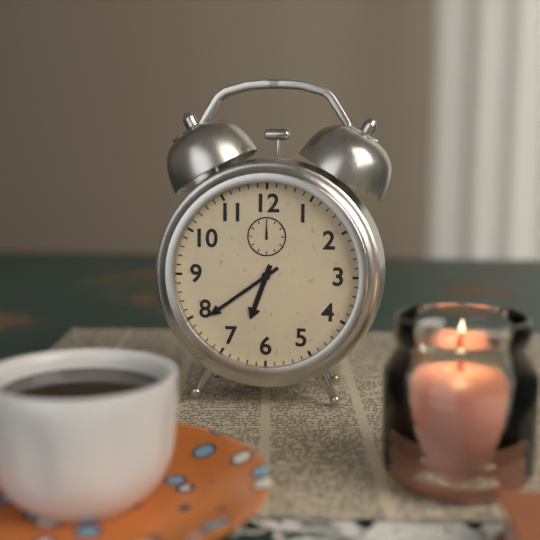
6:39
